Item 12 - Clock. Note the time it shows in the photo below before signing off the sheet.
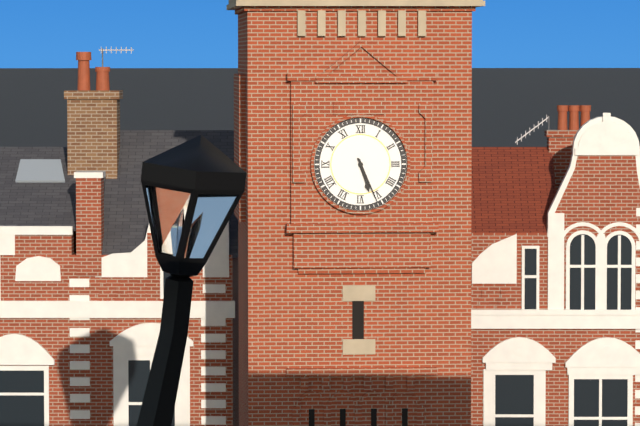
5:26
